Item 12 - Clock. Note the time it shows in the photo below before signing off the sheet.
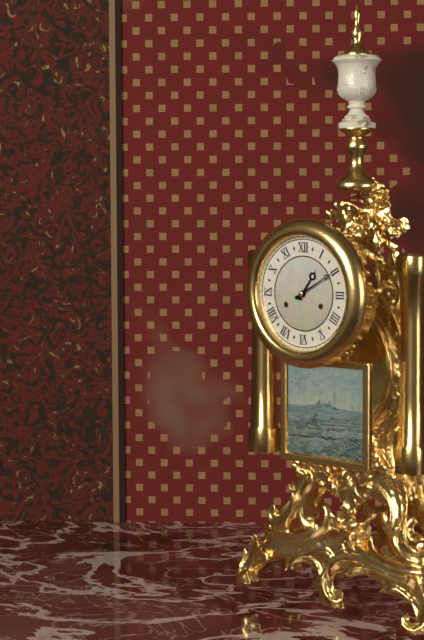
1:10
